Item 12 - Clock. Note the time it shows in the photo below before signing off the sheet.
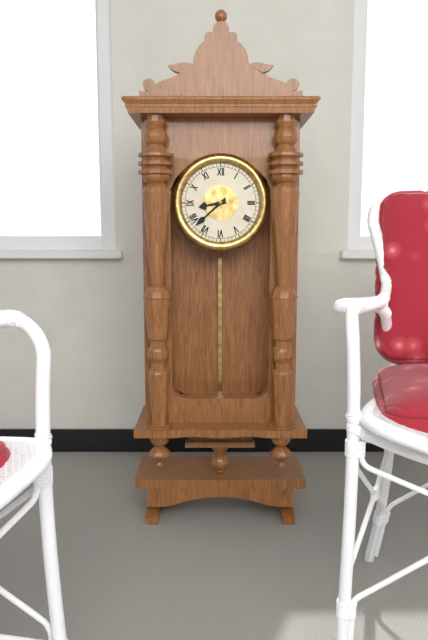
8:38
